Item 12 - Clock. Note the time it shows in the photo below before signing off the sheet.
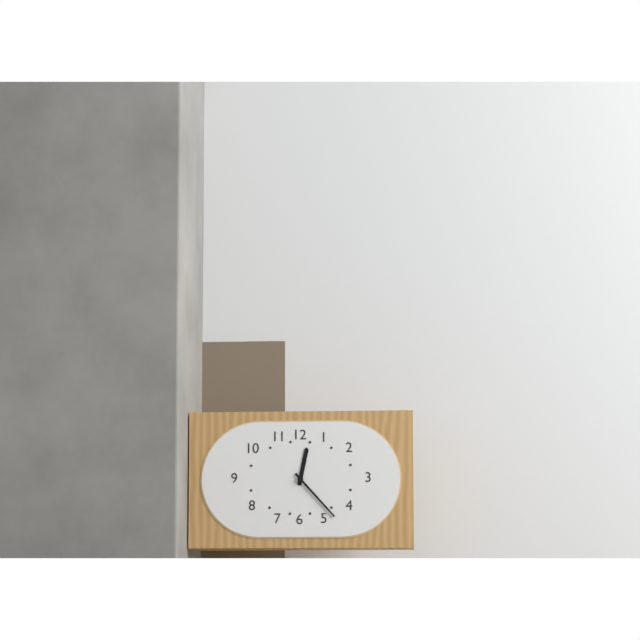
12:23
